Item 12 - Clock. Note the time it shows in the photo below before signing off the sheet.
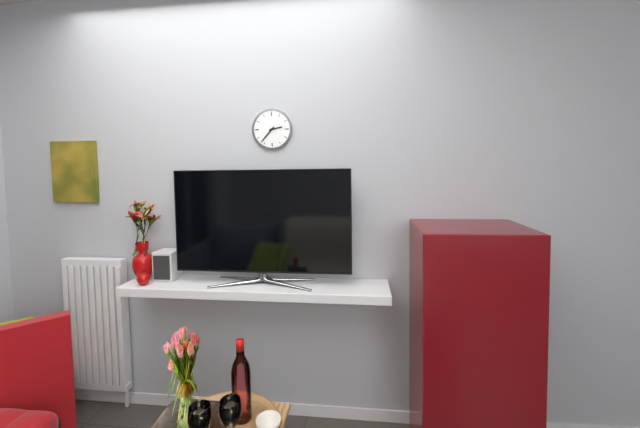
2:37
